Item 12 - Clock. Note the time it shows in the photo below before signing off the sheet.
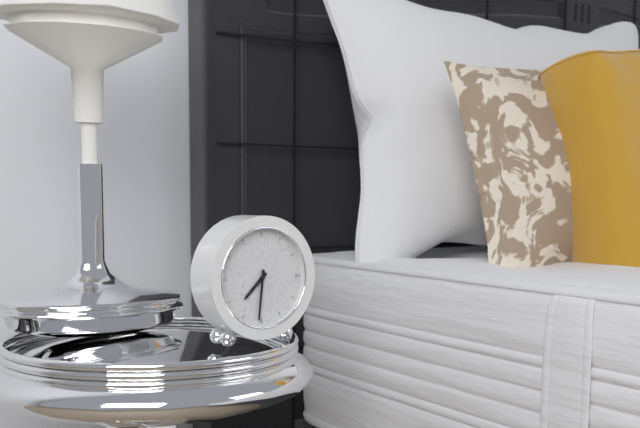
7:31
